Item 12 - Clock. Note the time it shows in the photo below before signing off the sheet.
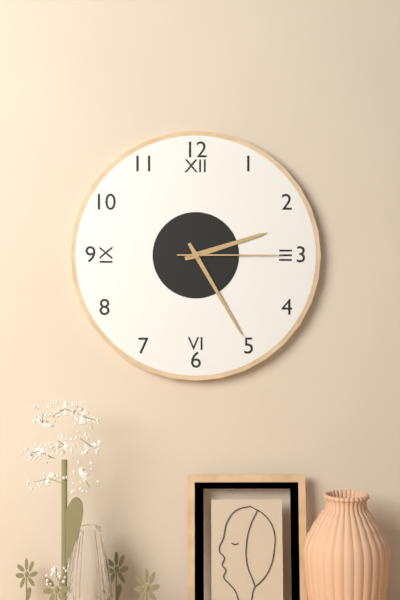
2:25:15
